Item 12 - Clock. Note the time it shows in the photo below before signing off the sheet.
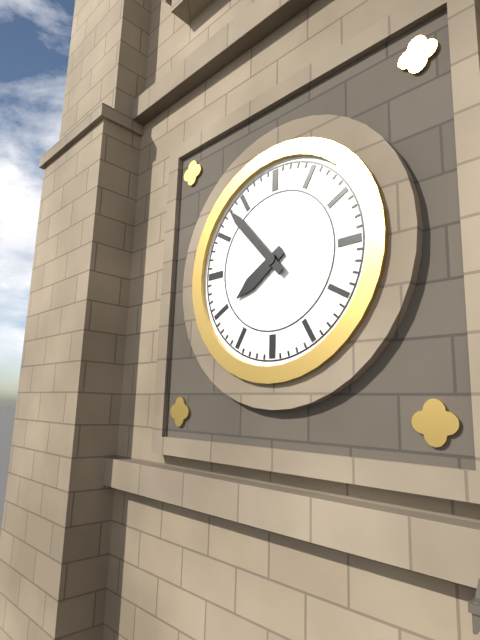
7:53
